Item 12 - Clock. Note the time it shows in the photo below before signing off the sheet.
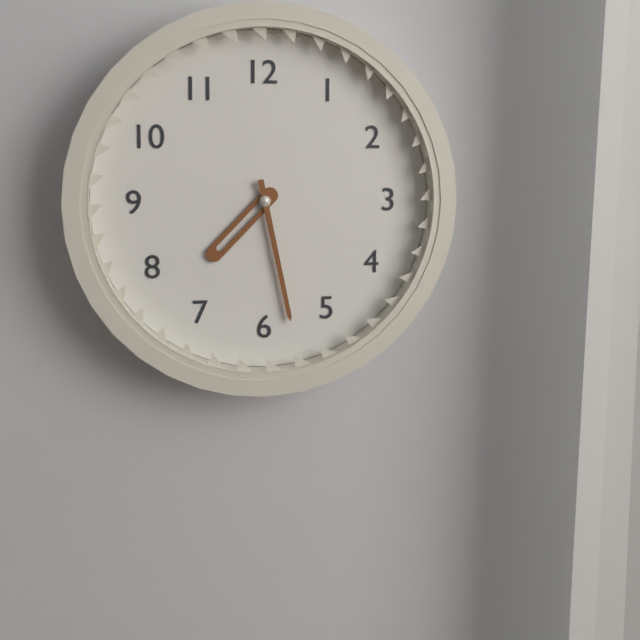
7:28
